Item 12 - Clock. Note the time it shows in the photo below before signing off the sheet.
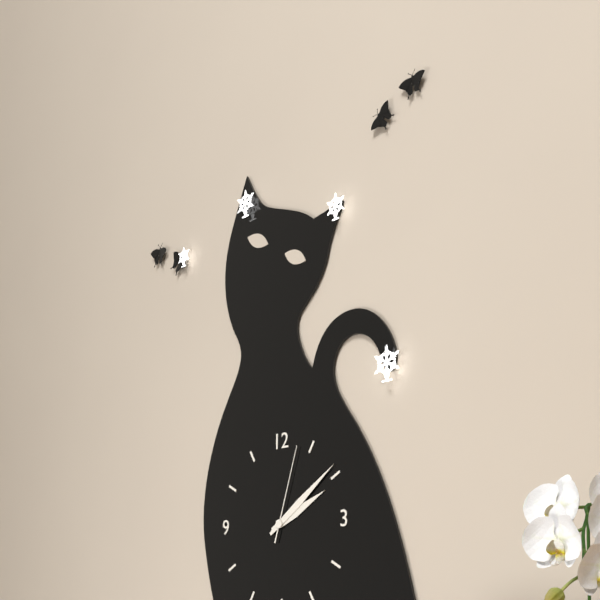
2:09:03
